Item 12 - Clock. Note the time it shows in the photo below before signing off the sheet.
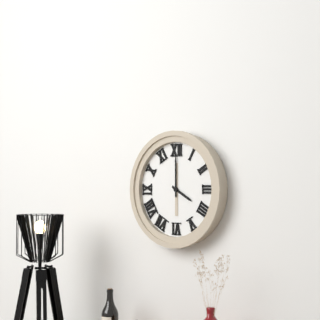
4:00
